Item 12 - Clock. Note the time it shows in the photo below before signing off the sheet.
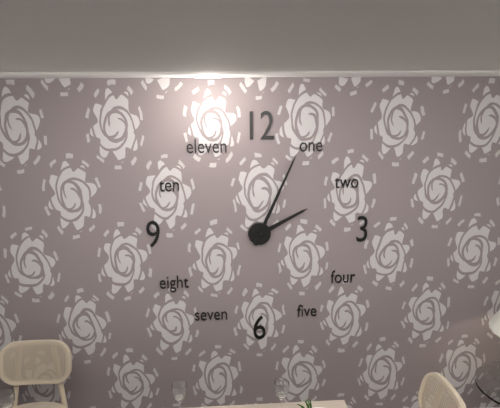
2:04
